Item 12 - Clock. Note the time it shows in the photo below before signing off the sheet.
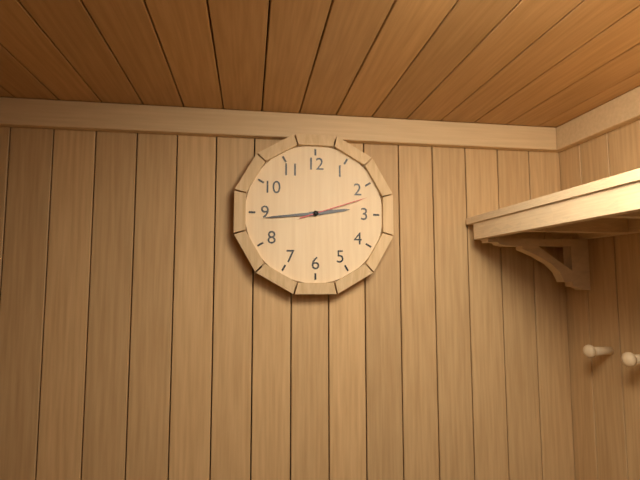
2:44:12
